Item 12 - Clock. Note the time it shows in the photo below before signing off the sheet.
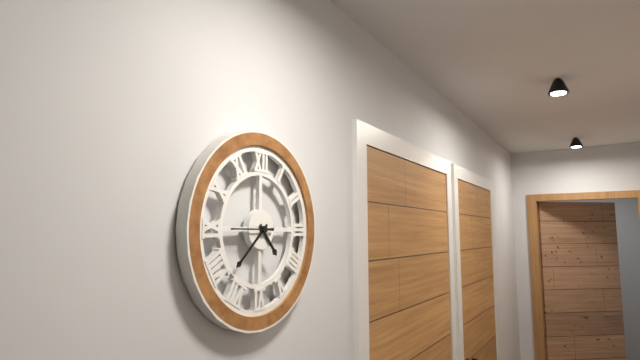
4:38
